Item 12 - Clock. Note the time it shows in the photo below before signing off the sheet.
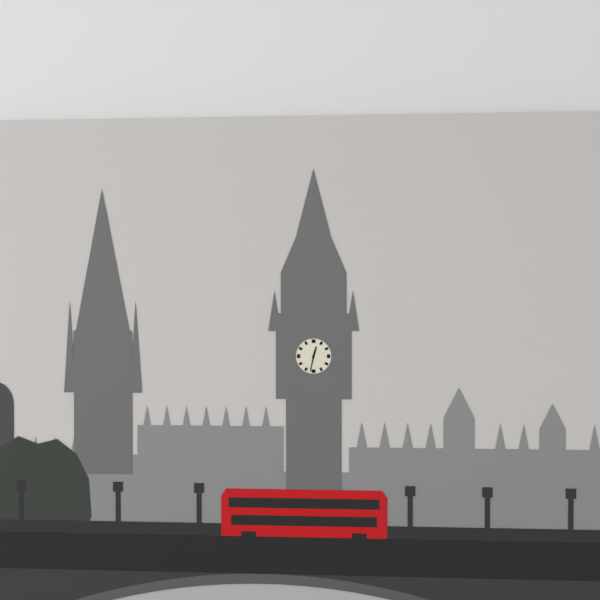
12:32
